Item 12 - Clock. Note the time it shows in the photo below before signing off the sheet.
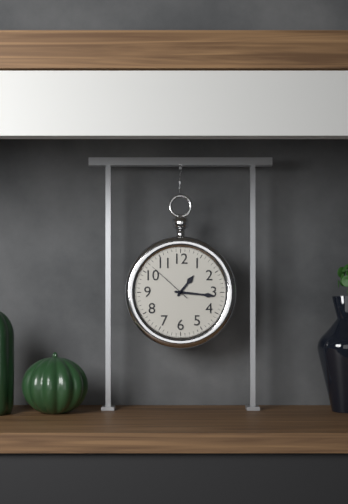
1:16
